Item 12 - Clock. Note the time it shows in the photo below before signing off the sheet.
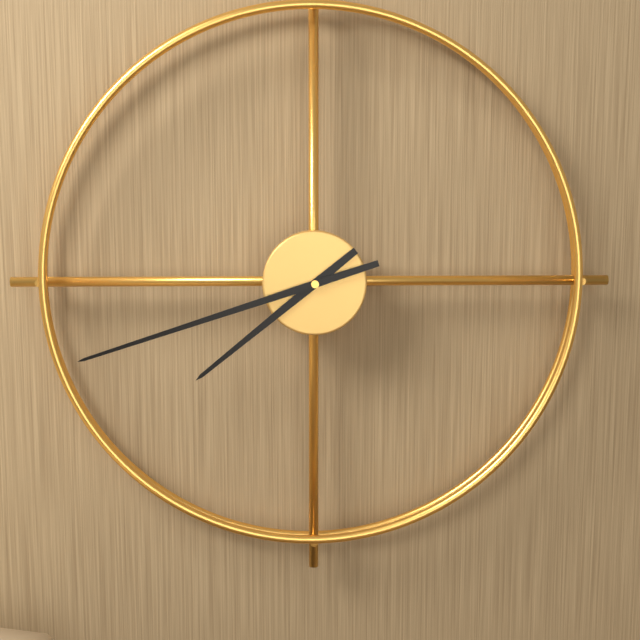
7:42
